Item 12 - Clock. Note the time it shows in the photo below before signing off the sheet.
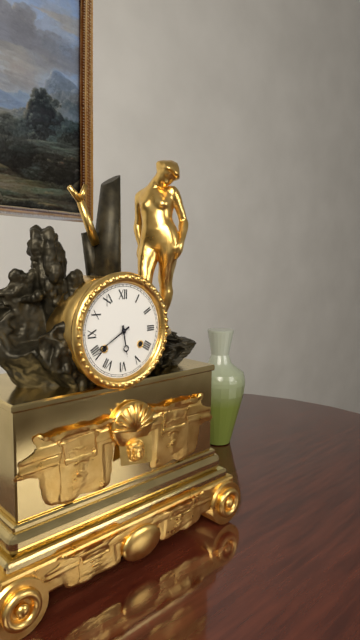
5:40
